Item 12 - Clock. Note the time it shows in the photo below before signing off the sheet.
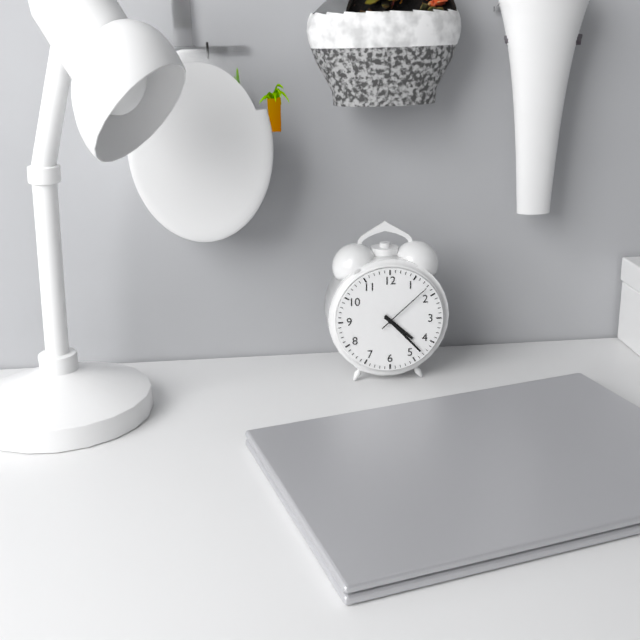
4:23:08
